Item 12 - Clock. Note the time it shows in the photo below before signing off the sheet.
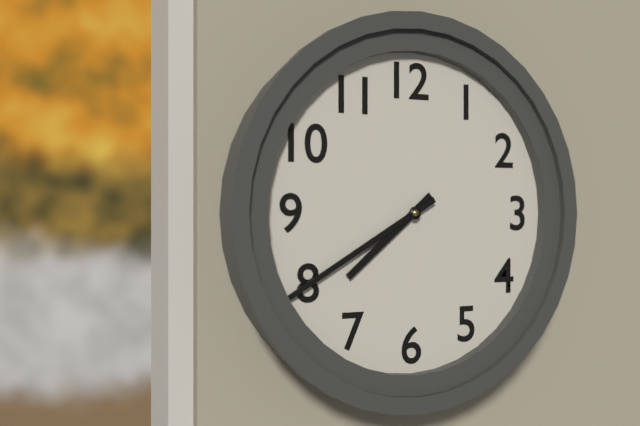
7:40
